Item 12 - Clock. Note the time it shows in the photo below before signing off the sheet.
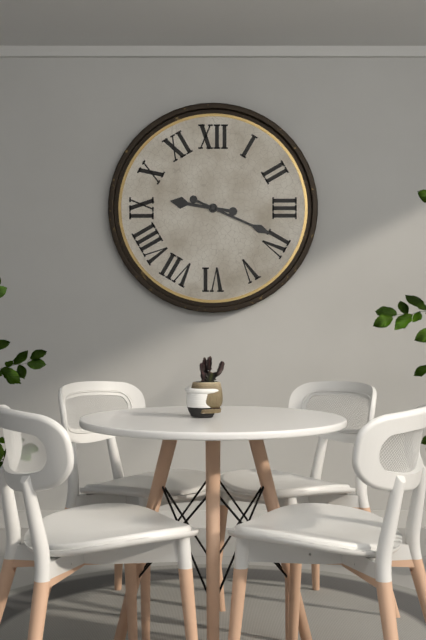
9:19
